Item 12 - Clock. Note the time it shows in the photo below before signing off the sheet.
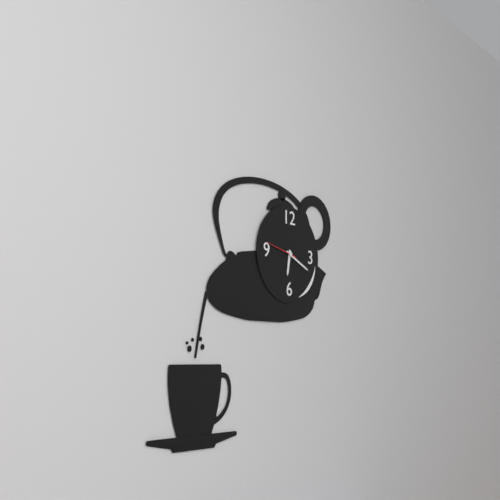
6:19
